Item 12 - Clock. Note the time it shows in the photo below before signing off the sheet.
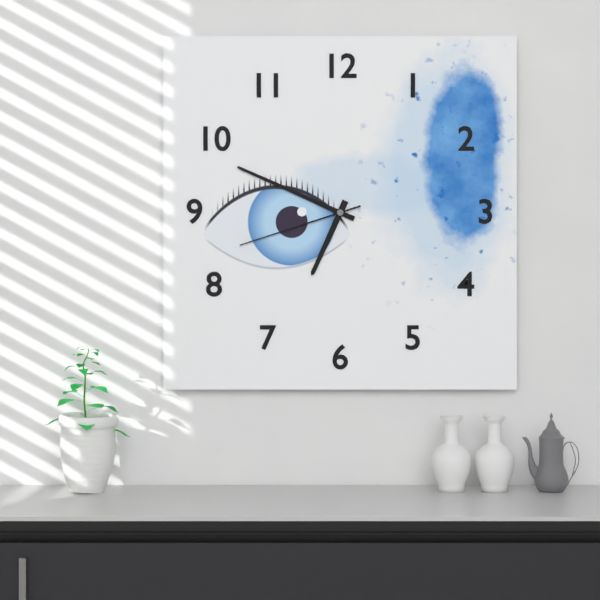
6:49:42
